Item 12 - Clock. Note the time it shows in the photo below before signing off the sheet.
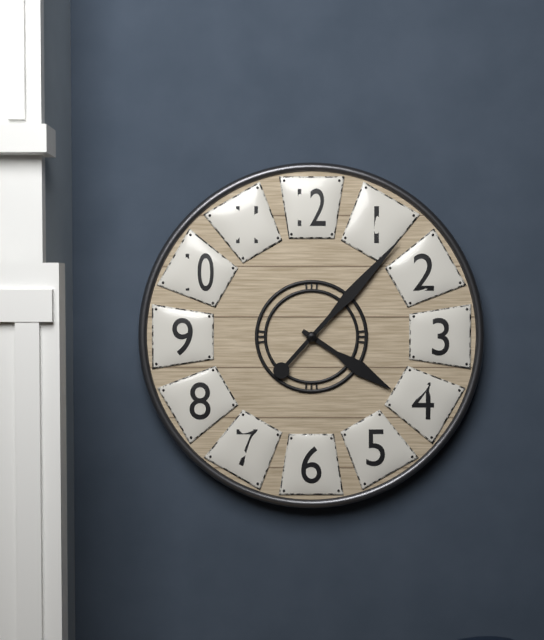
4:07
